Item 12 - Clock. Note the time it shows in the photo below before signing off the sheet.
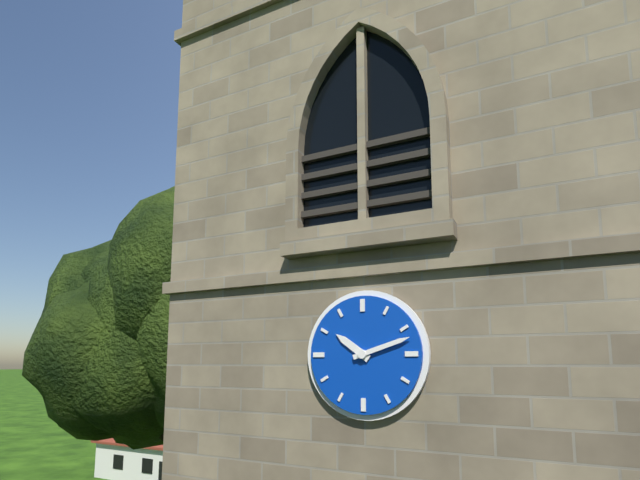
10:12
